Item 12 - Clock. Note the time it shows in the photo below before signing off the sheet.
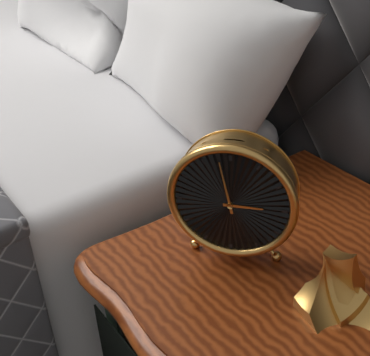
2:58
